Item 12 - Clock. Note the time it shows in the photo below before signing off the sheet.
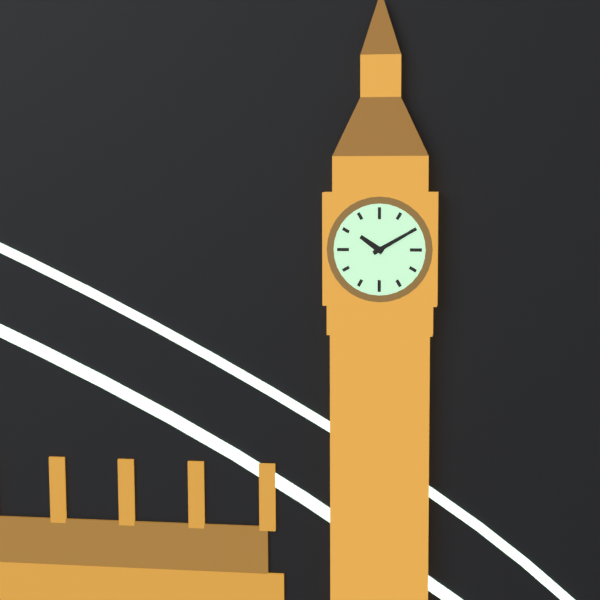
10:10
